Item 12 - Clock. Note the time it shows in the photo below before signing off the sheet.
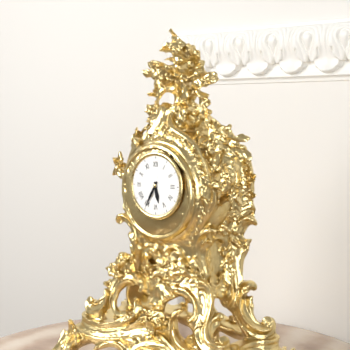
5:35
